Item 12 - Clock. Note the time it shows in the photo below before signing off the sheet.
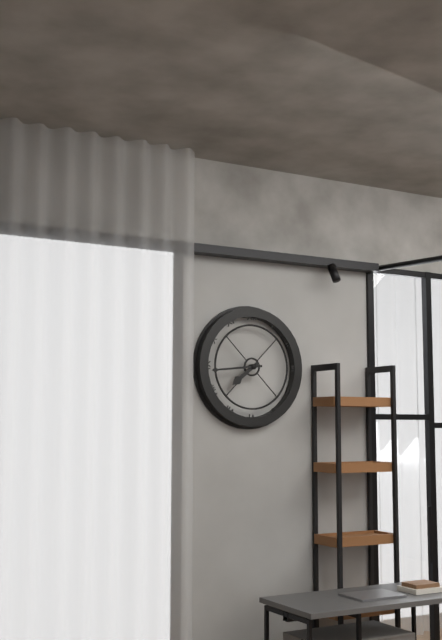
7:44
